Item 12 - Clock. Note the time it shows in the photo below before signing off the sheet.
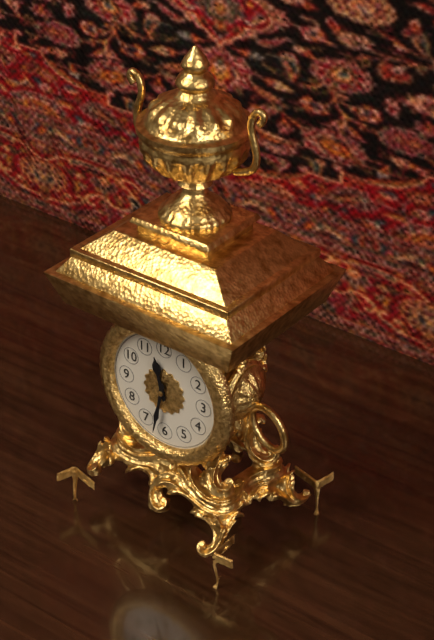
11:32
